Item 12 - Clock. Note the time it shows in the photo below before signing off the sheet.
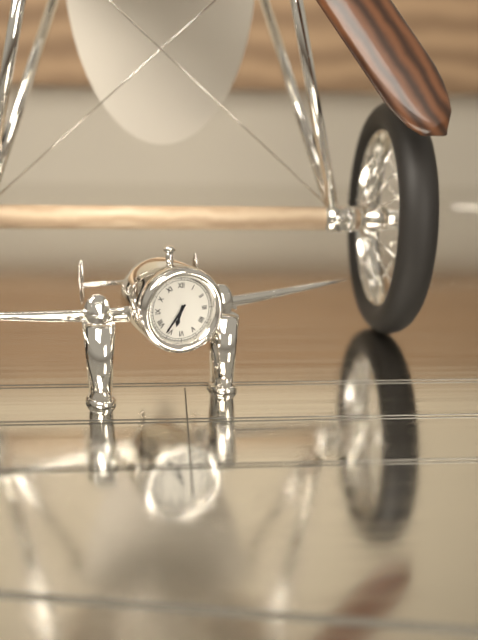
6:36
